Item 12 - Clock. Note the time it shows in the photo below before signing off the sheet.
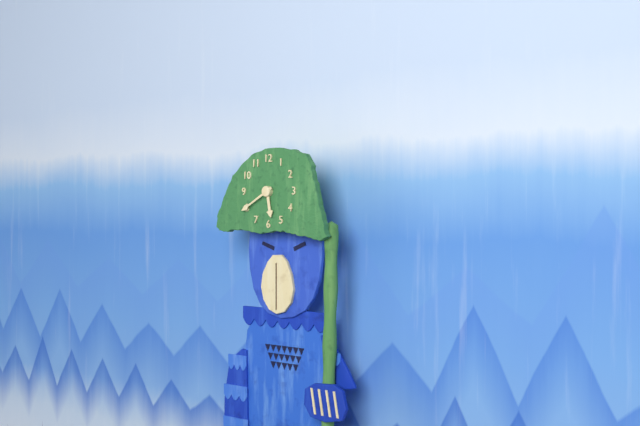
5:40
